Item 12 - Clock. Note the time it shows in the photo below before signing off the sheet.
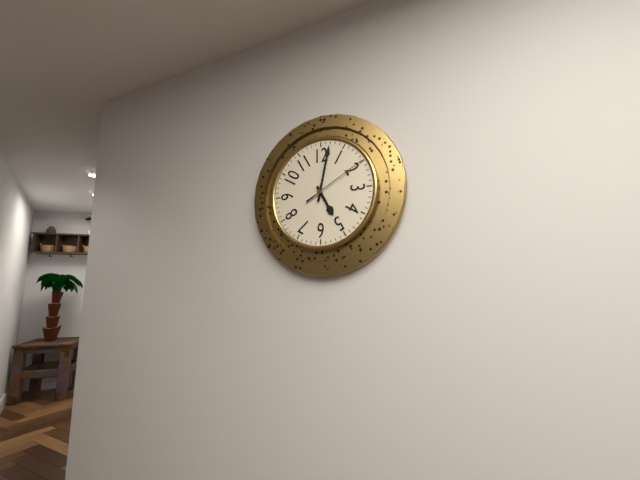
5:02:10
